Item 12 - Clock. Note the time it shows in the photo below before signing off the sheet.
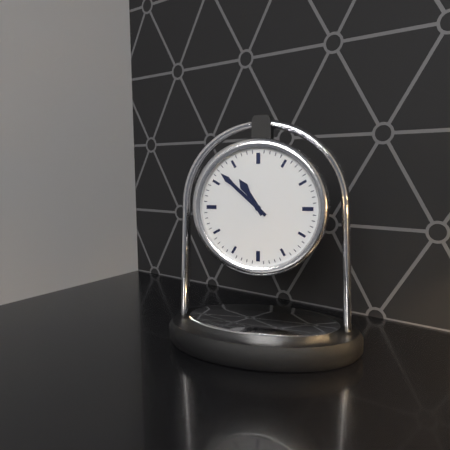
10:52
